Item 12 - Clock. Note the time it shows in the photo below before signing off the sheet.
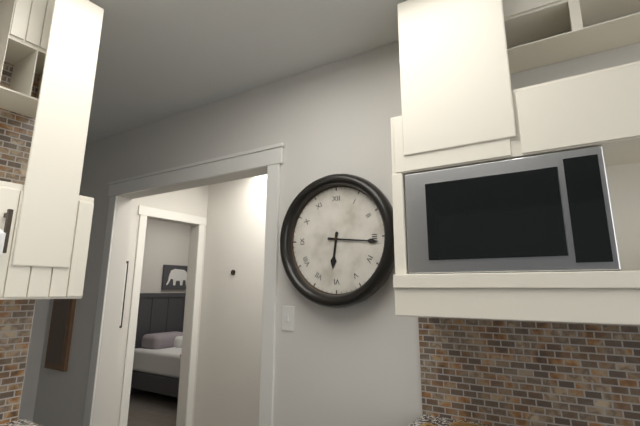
6:16
